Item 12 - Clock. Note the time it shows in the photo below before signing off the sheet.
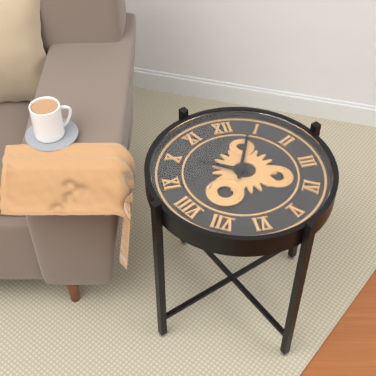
10:04
